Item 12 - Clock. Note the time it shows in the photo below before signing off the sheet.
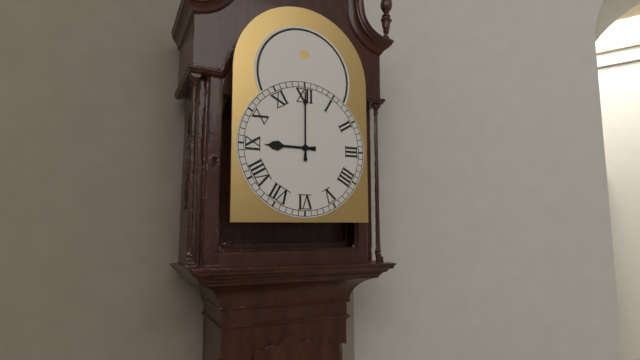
9:00
